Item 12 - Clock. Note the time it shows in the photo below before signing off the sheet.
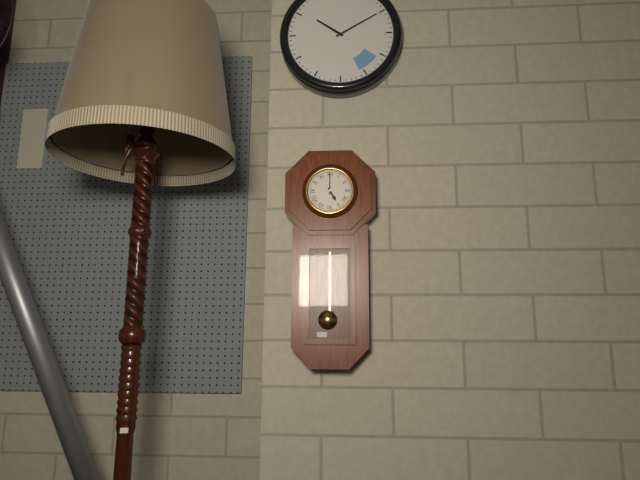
5:00
